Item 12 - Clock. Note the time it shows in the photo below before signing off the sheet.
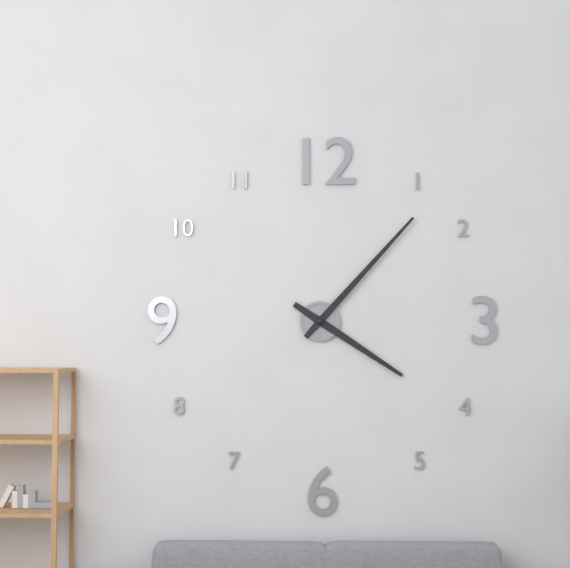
4:07
